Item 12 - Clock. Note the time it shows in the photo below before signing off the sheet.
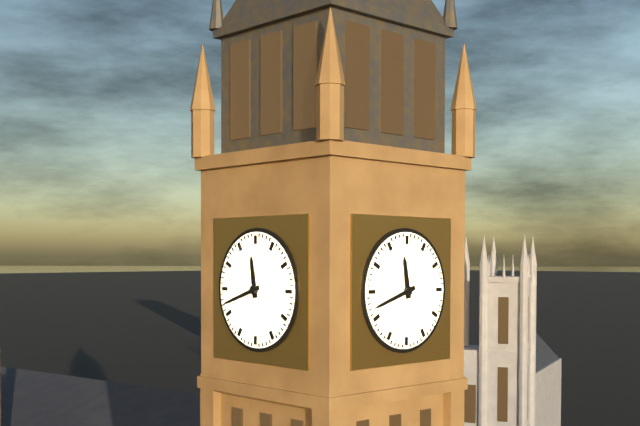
11:42
